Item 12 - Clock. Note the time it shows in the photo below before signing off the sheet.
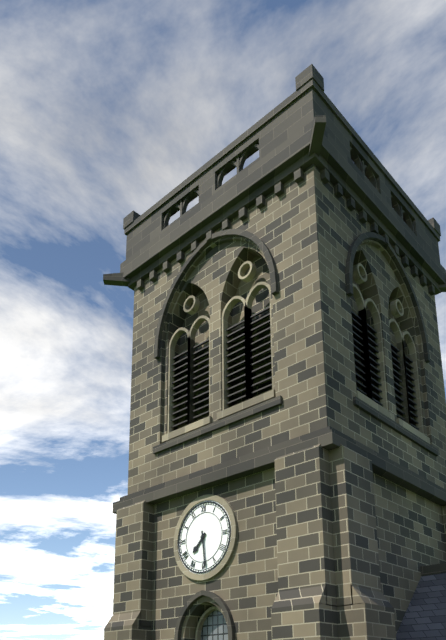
7:29
